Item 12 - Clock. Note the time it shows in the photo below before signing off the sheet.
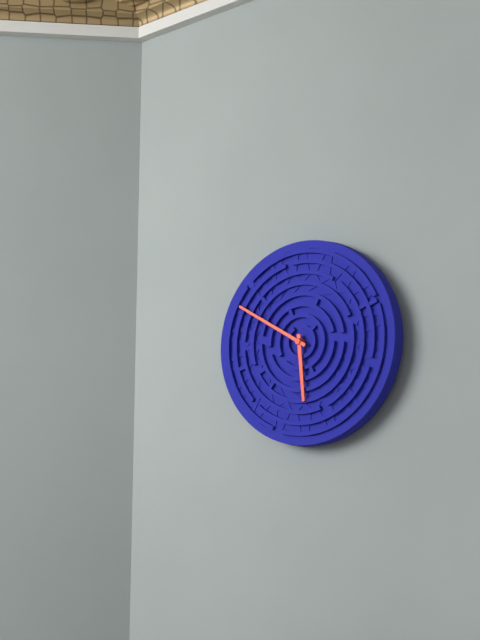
5:50
